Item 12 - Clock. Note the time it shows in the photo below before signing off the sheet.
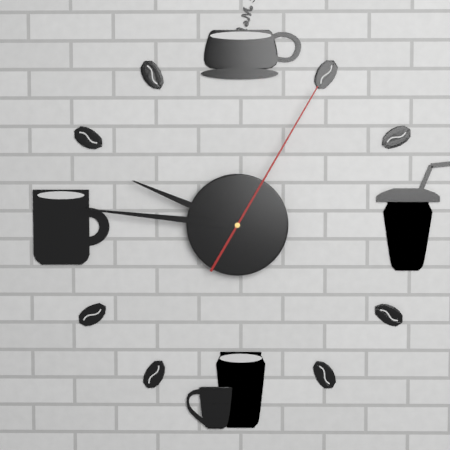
9:46:05
